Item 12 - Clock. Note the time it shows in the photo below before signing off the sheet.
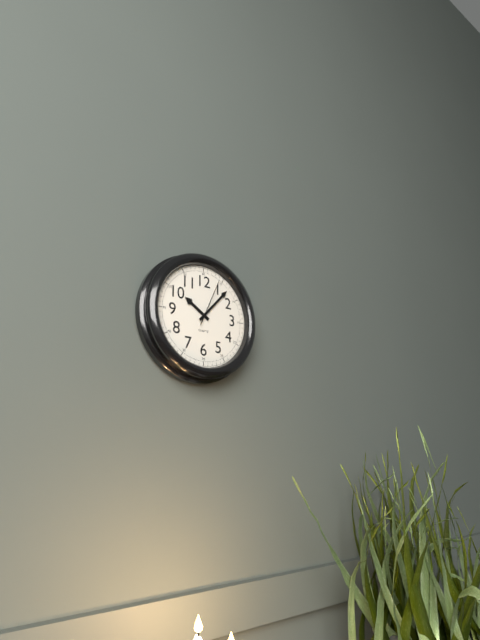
10:07
